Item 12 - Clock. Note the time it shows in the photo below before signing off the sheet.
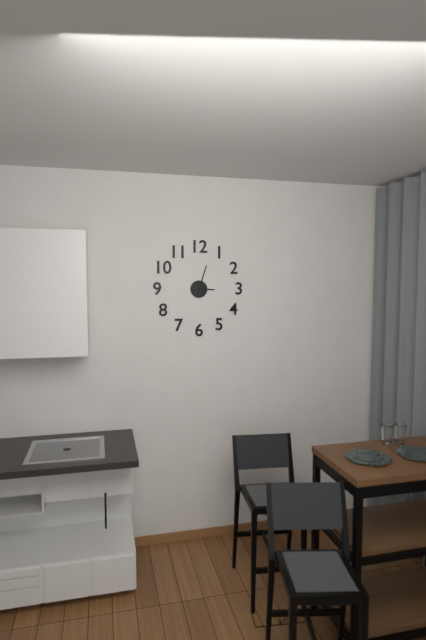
3:03
